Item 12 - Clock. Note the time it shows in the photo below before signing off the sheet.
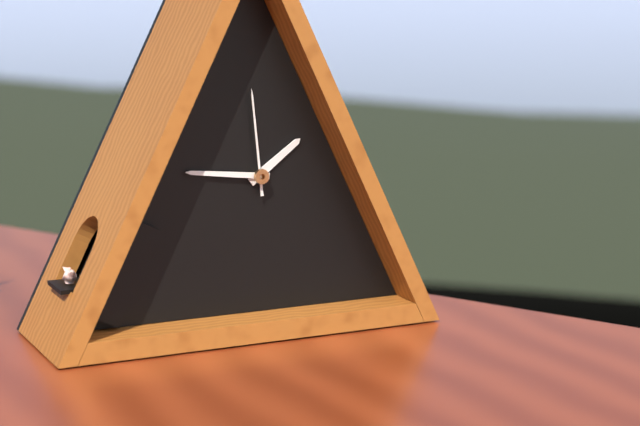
1:46:59
